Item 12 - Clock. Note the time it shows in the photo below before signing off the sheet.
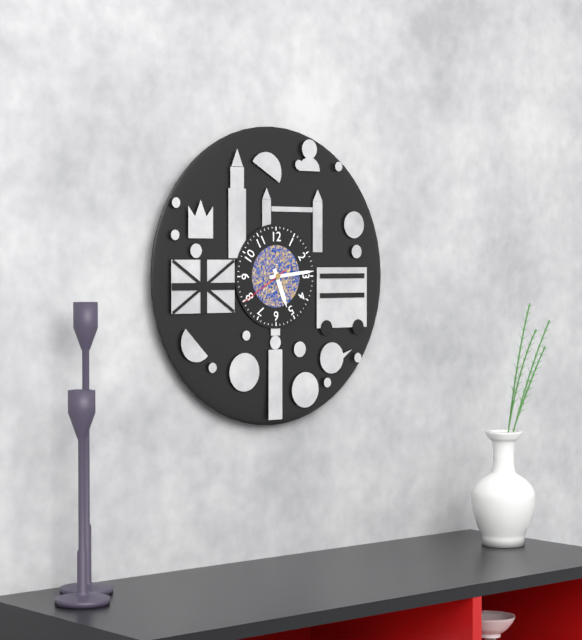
5:14:40
